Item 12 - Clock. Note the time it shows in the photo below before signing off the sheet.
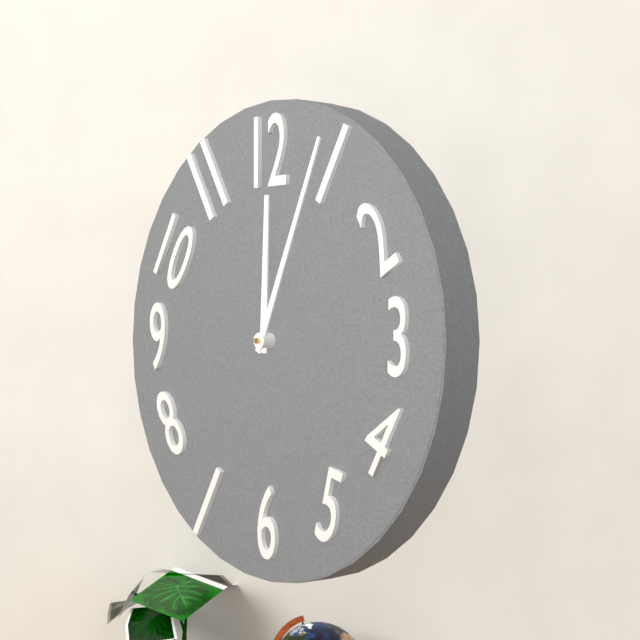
12:04
